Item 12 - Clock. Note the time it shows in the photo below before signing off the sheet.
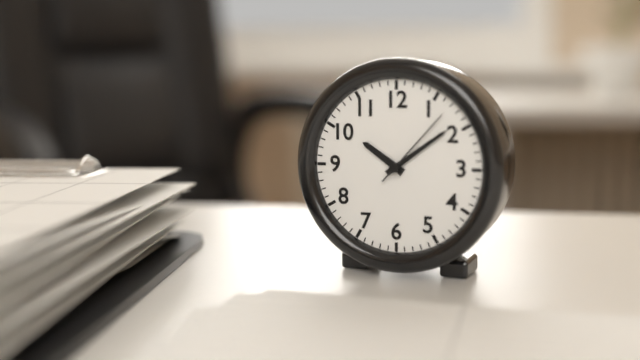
10:09:07
